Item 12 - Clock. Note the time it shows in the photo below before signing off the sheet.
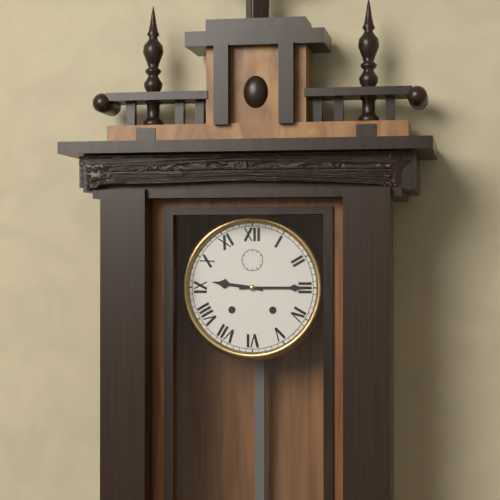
9:15
